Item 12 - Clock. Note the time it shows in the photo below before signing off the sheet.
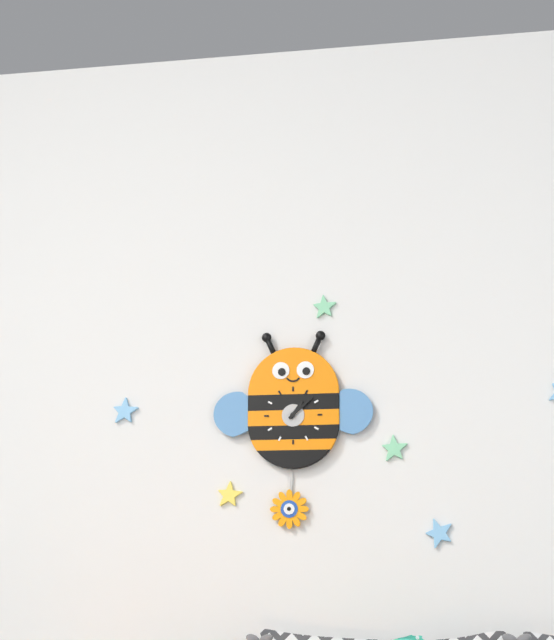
1:08
